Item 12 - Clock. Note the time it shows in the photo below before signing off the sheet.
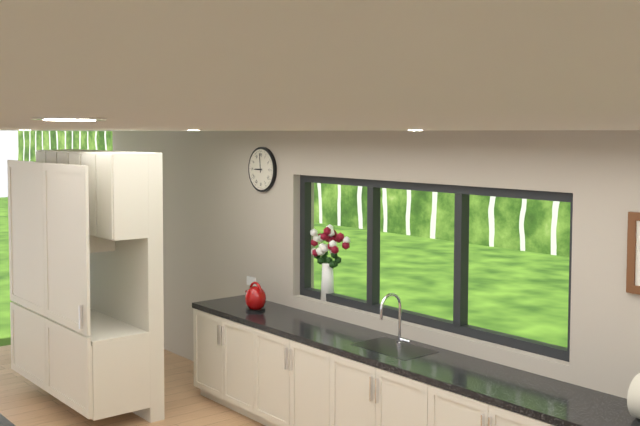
8:59
